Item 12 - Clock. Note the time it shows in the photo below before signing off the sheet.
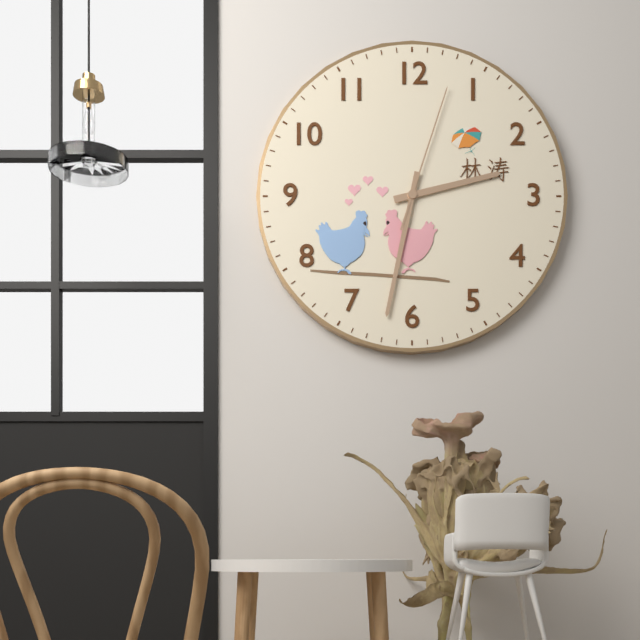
2:32:03
